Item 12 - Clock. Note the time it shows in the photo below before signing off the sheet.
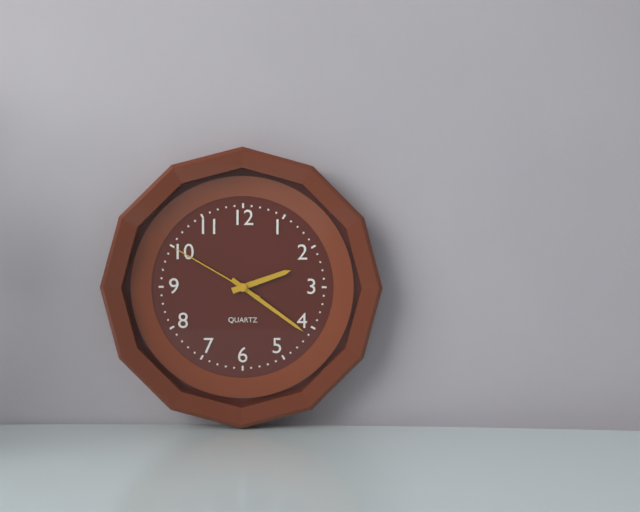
2:21:50
